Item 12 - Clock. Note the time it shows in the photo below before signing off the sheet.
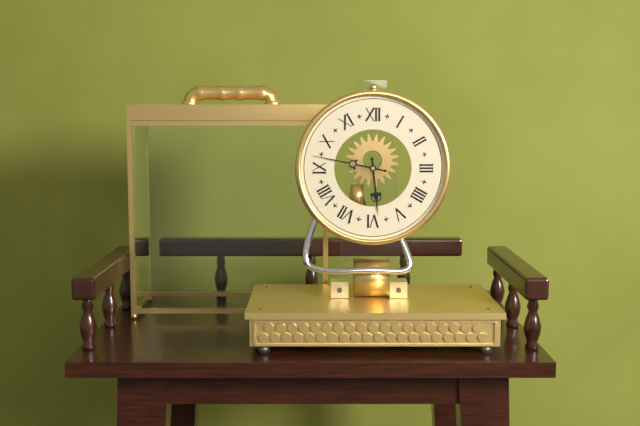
5:47
